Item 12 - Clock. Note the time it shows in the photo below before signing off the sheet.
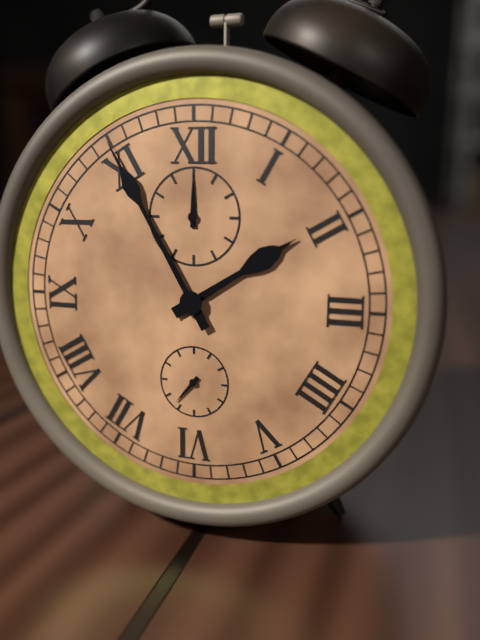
1:55
